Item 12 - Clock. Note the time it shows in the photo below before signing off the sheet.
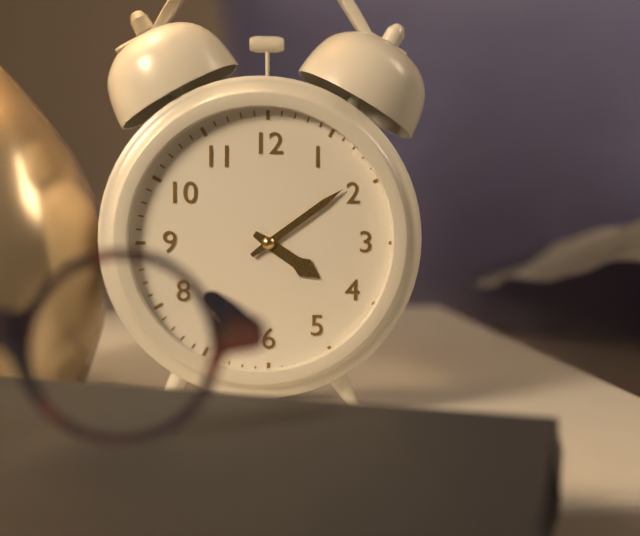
4:09
